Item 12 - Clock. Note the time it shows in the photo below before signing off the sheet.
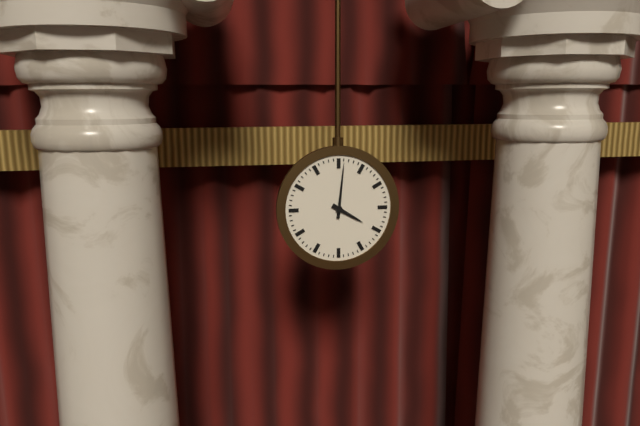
4:01
